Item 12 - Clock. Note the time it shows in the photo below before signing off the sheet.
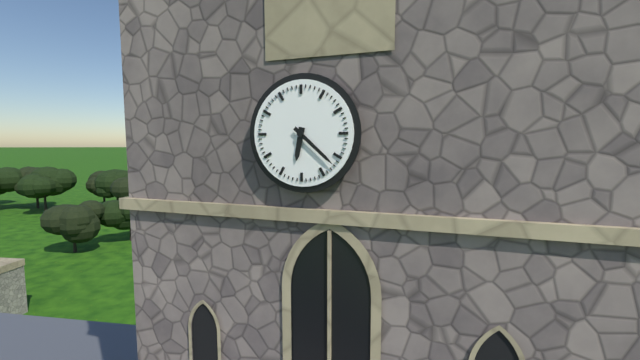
6:22
